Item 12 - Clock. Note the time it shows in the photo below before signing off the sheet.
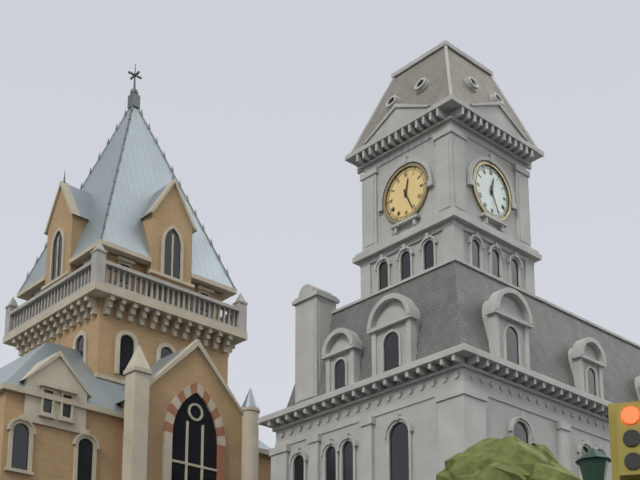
12:26
